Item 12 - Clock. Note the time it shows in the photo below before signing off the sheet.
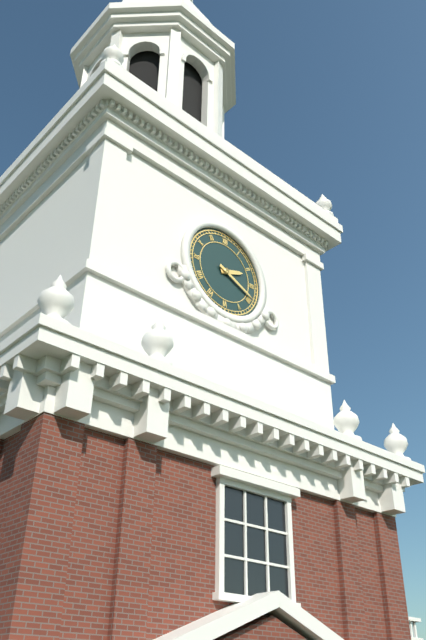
2:19
